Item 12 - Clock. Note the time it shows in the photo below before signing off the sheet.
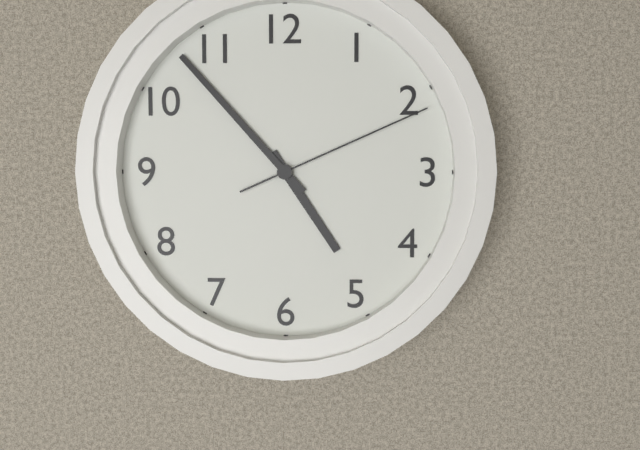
4:53:11
